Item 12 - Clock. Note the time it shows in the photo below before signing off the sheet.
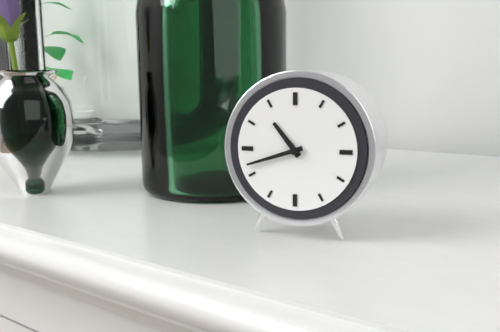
10:42
